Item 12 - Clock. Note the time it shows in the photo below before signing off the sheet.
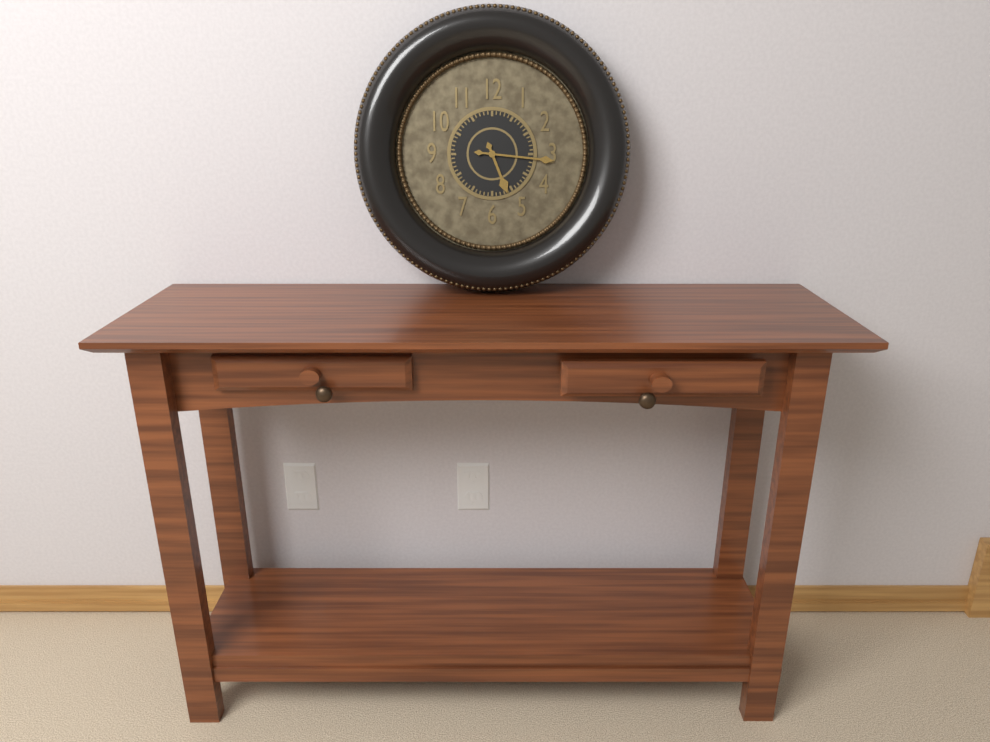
5:16
